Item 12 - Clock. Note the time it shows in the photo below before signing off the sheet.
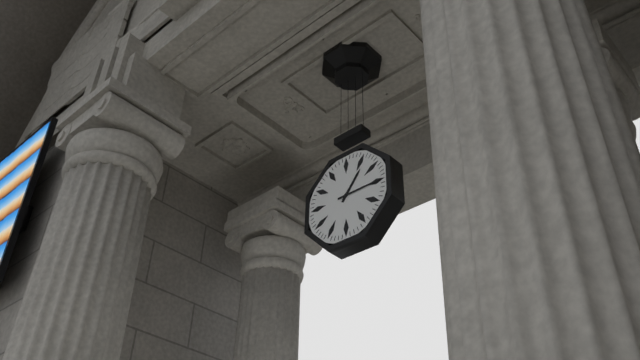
1:15
